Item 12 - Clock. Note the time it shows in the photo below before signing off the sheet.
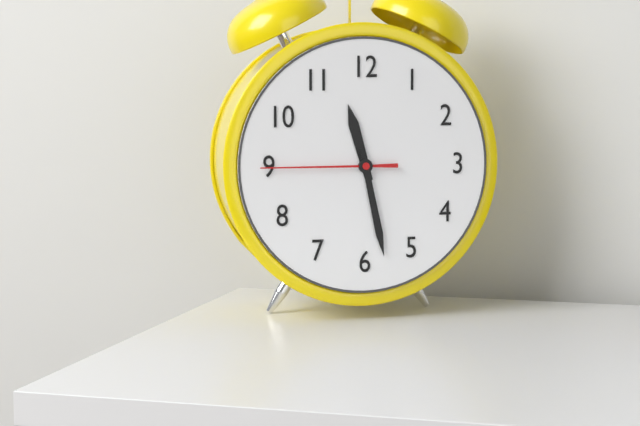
11:28:45
